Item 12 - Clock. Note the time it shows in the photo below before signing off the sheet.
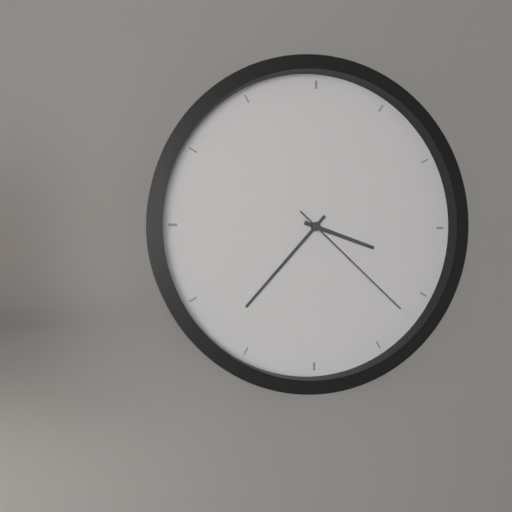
3:37:22
